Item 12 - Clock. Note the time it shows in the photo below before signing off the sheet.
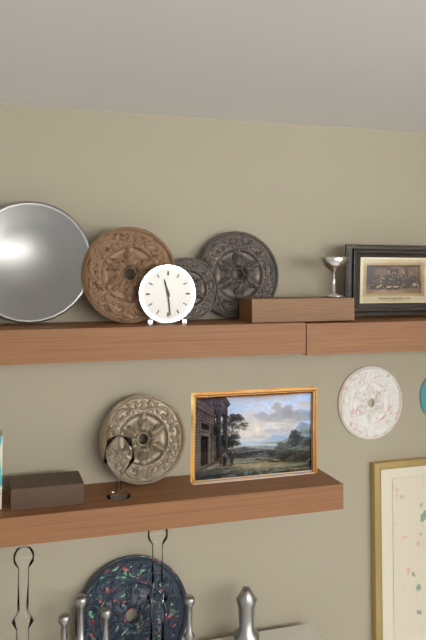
11:29
